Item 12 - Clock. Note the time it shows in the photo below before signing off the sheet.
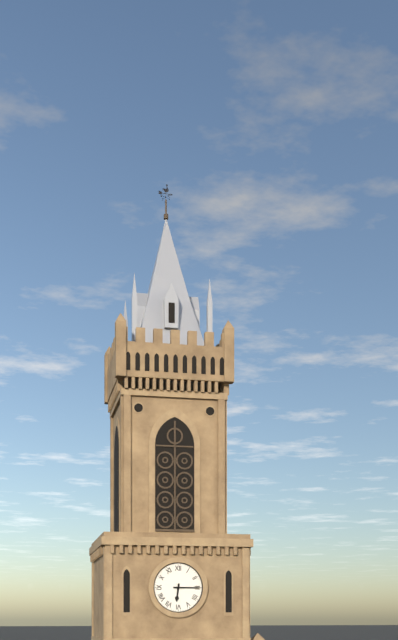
6:15
